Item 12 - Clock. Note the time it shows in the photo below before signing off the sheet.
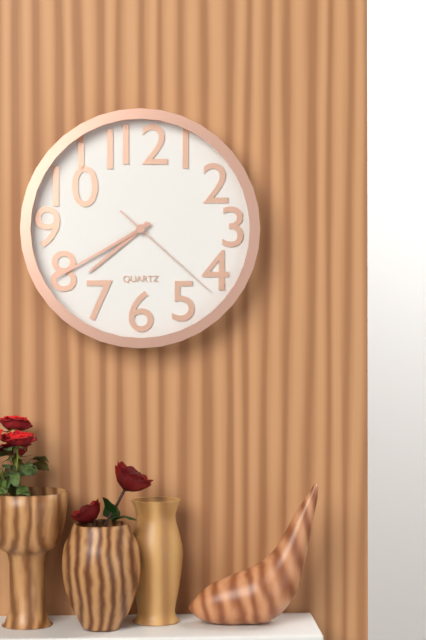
7:40:22
